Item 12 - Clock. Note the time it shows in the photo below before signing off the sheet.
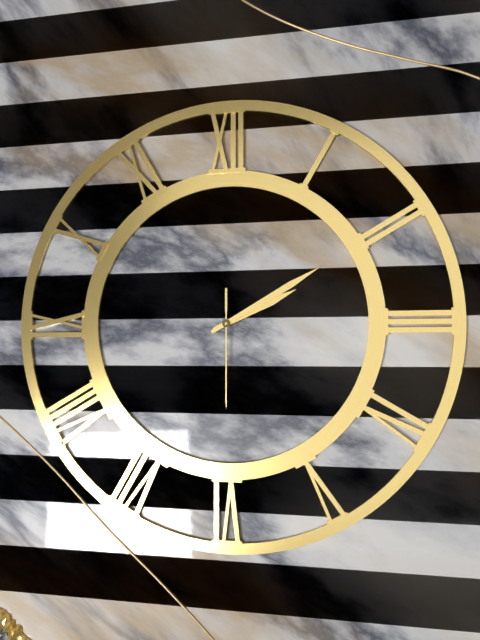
2:10:30
